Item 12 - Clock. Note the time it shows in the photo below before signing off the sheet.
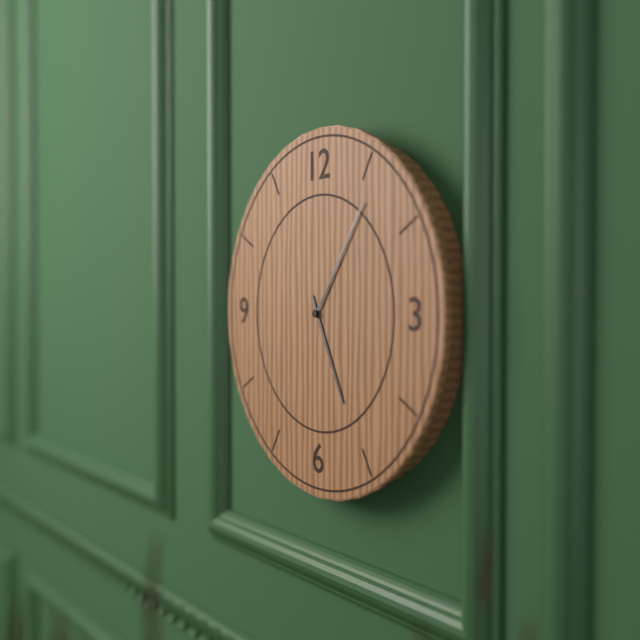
5:06
